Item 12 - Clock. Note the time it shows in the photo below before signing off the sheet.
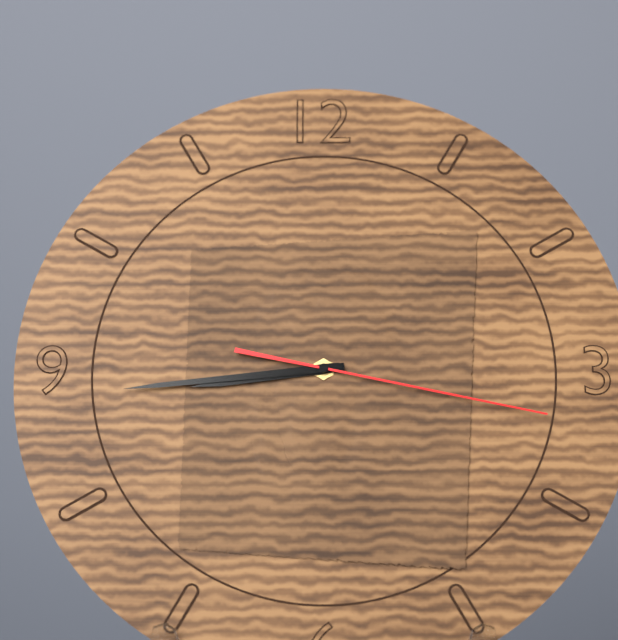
8:44:17
